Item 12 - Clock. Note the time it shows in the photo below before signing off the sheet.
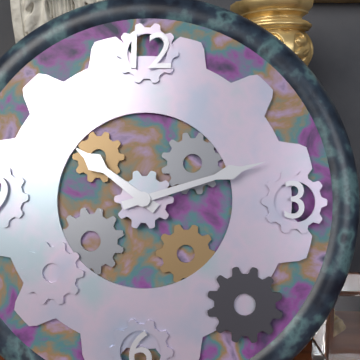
10:12
